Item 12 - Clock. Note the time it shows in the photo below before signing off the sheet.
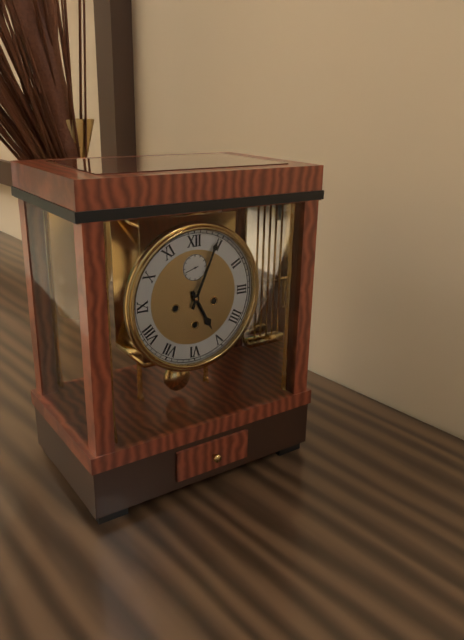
5:04
